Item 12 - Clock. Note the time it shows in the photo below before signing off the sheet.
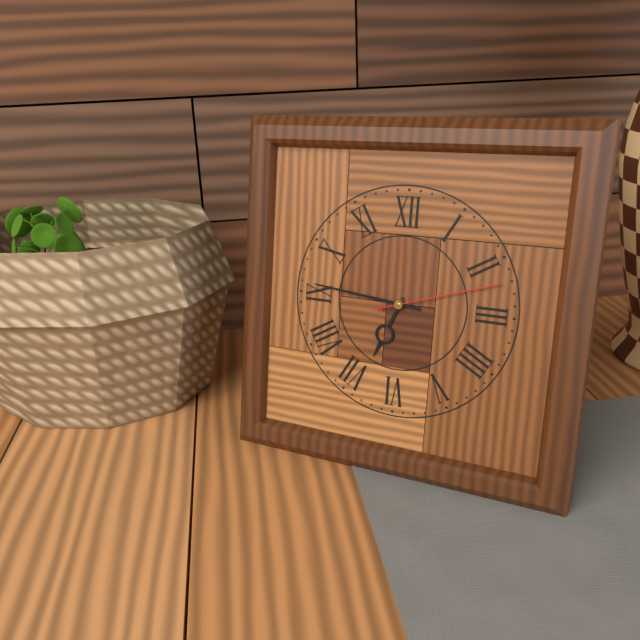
6:46:12
